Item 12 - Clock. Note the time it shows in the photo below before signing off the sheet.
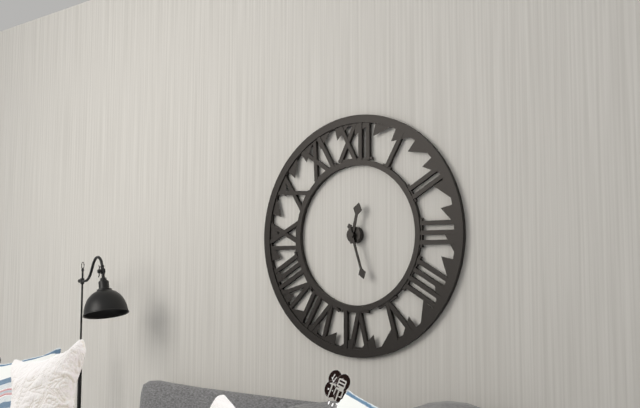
12:27
